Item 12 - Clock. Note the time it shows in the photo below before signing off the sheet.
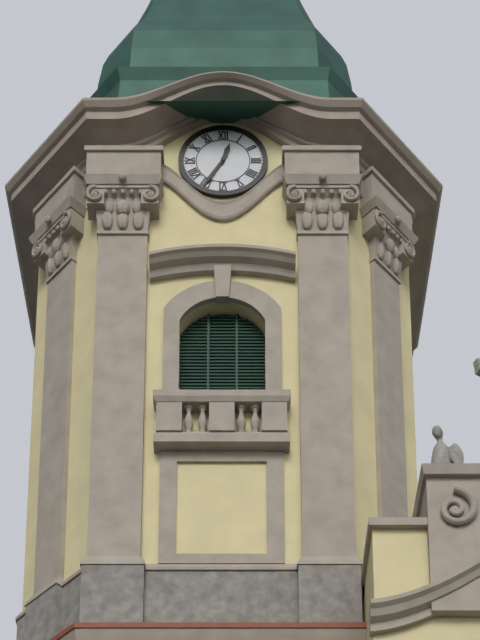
12:35
